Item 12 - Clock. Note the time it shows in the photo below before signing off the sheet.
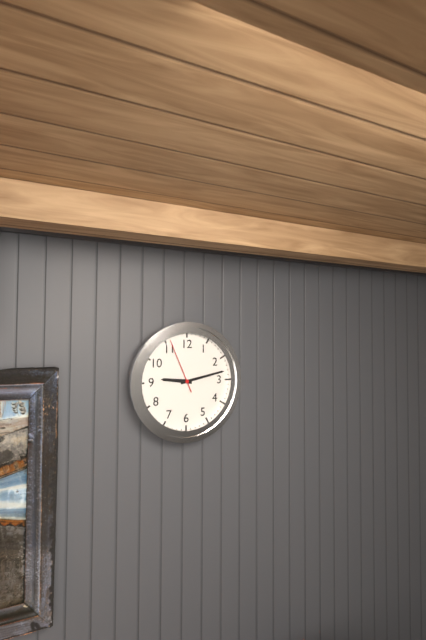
9:13:56
